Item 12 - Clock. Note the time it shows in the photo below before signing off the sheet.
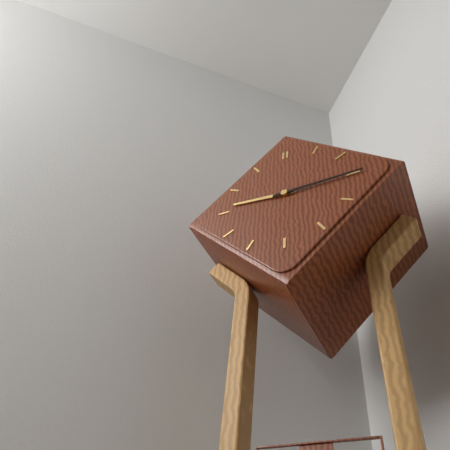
9:15
